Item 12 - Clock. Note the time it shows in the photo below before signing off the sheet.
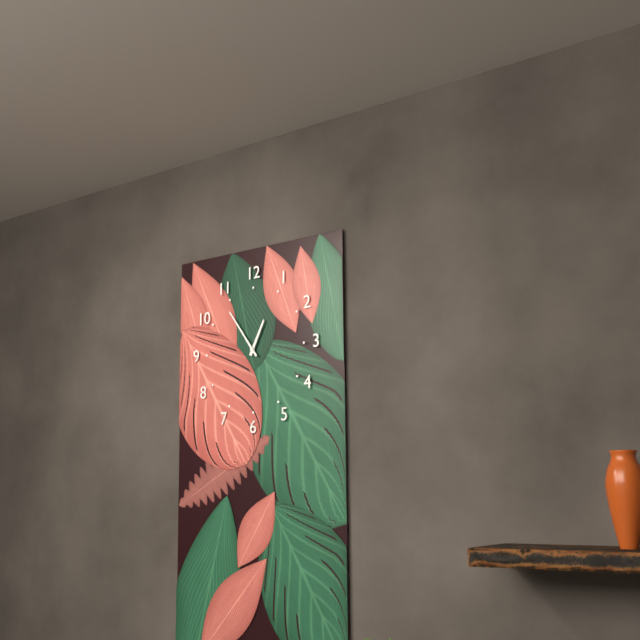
12:54
